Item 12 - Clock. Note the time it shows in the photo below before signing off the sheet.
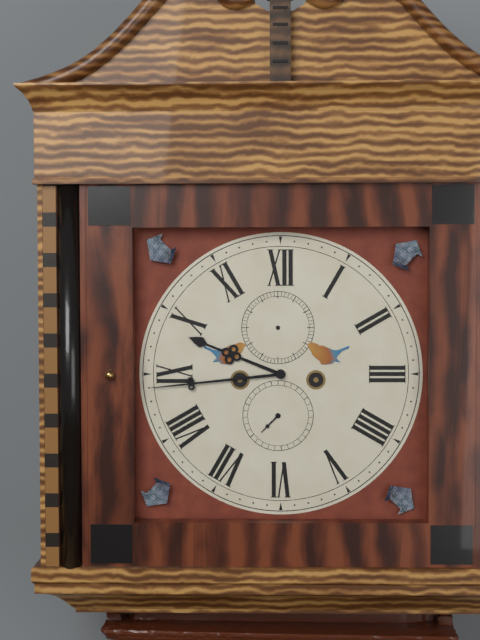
9:44
